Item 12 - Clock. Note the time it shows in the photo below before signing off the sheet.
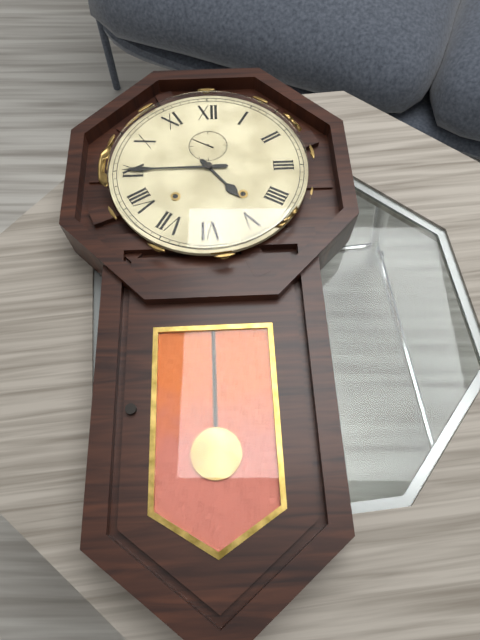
4:45:50
